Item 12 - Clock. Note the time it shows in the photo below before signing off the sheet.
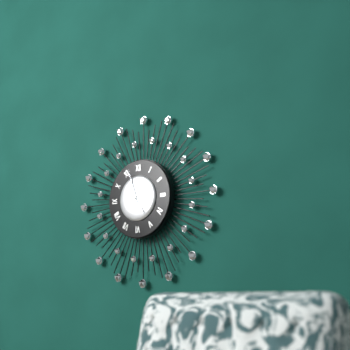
4:57
